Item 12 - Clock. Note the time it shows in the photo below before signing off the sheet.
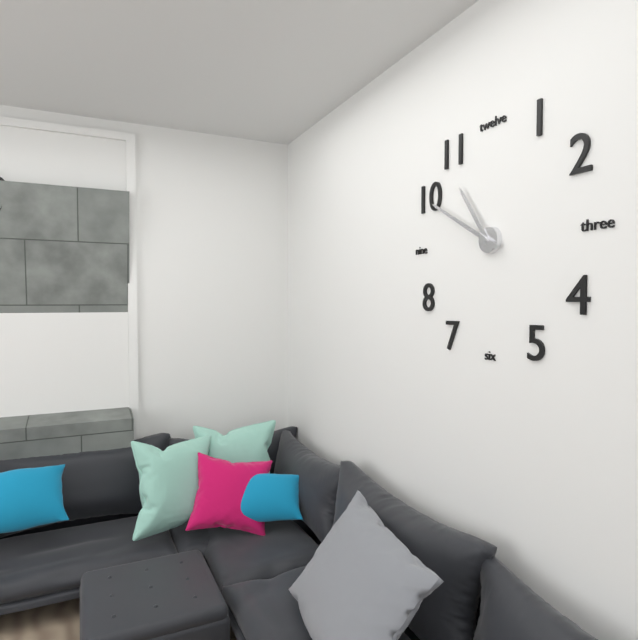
10:50
